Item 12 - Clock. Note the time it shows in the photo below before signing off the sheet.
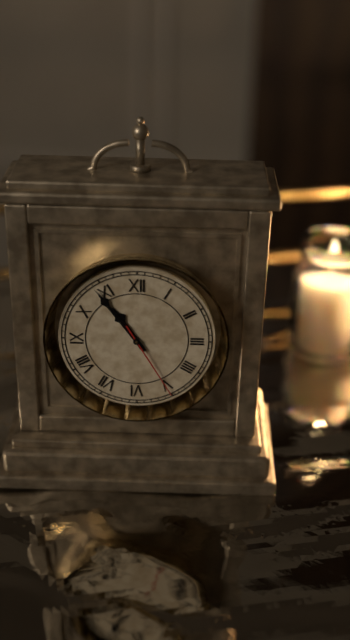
10:54:25
